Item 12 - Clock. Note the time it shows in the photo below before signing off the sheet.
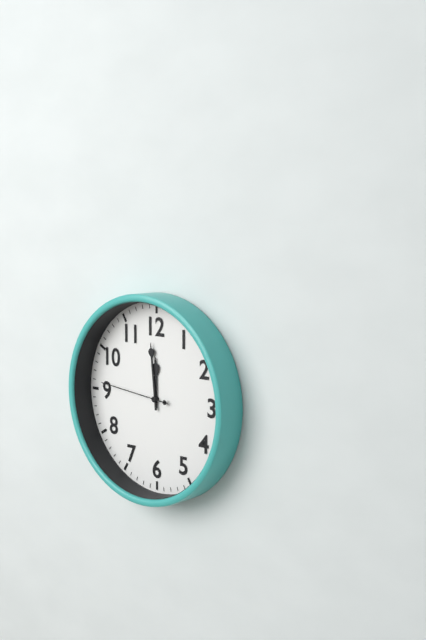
11:59:46
